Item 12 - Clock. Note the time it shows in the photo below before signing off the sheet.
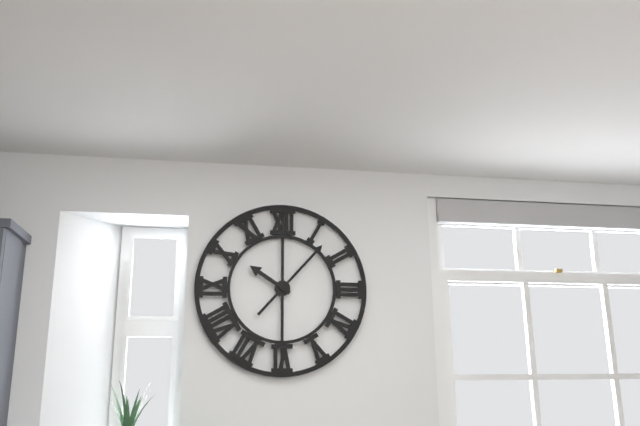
10:07
